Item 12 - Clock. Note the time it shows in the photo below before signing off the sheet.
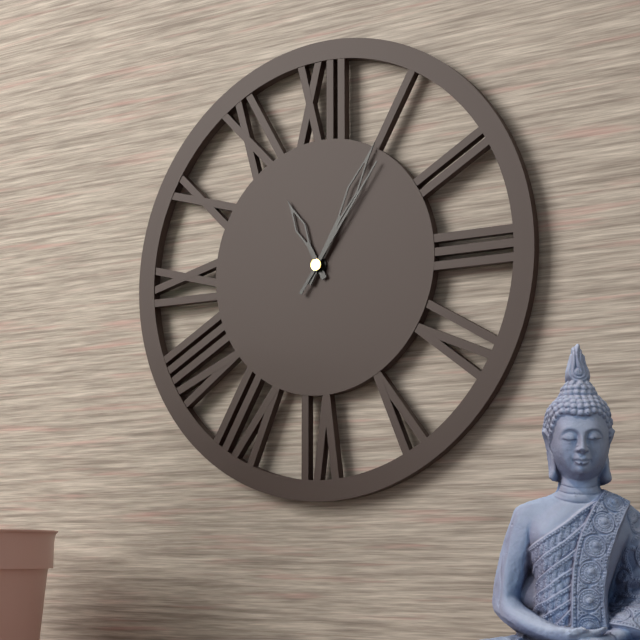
11:05:06
